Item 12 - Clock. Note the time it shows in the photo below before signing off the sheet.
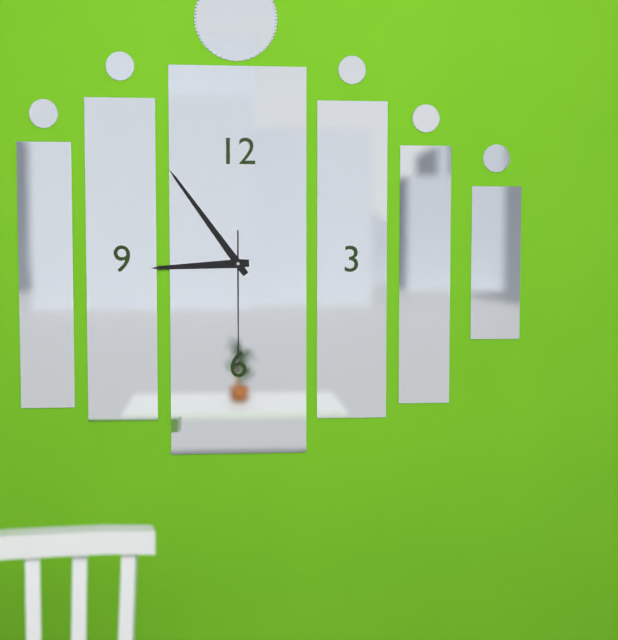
8:54:30
